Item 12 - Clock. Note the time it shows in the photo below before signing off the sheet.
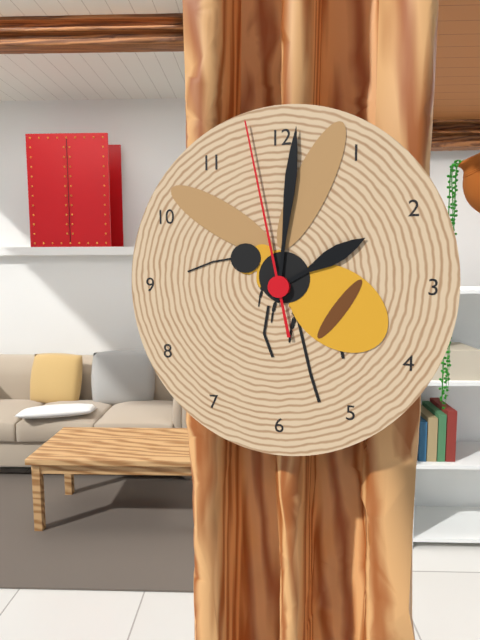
2:01:58
